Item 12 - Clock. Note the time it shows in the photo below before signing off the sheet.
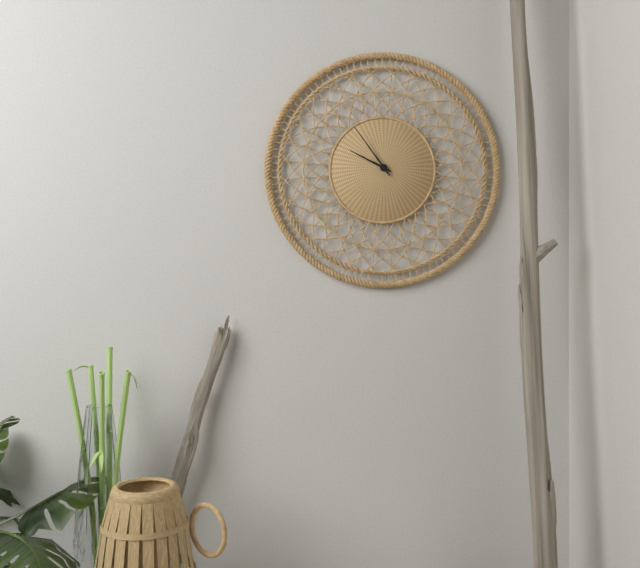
9:54
